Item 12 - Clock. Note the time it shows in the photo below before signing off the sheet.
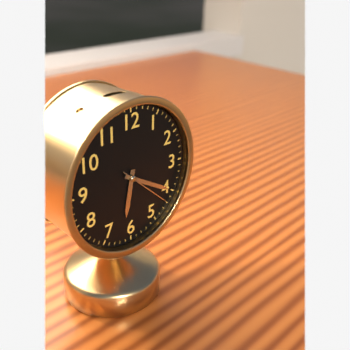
6:20:22
